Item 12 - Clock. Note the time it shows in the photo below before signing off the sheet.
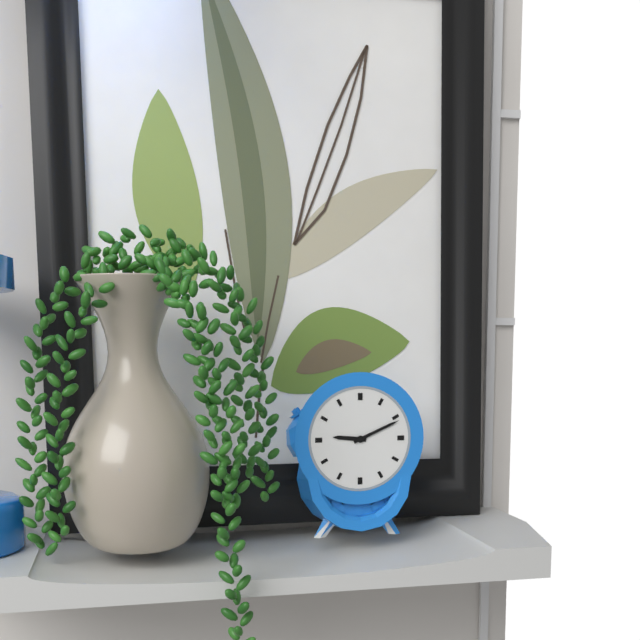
9:11
